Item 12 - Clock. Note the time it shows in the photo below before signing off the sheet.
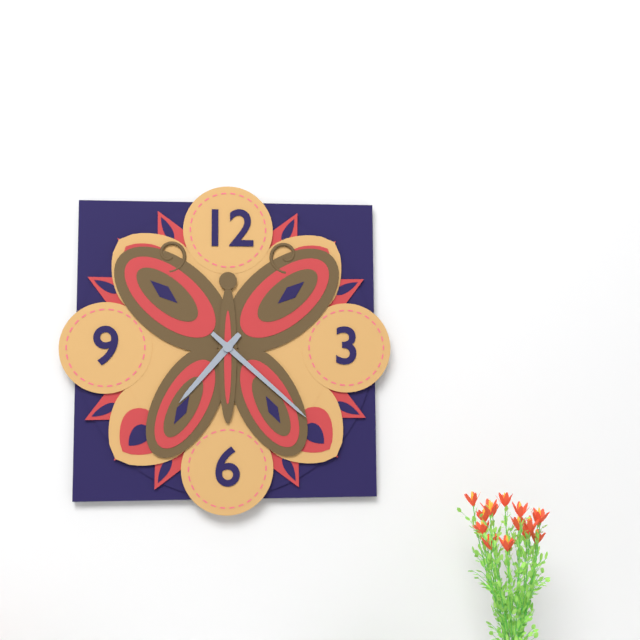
7:22
